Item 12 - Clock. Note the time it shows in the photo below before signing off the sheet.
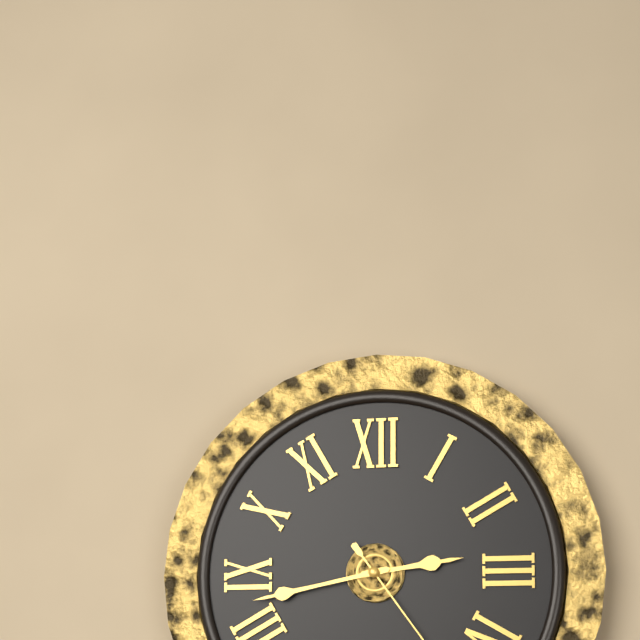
2:43
